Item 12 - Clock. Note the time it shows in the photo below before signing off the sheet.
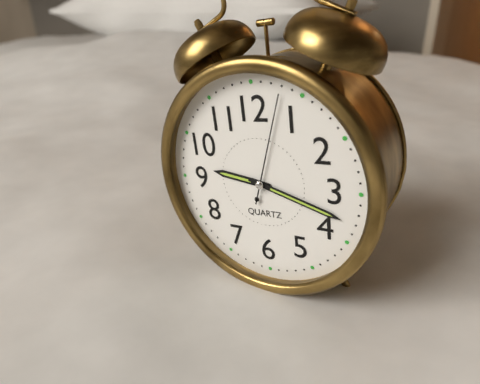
9:18:03
